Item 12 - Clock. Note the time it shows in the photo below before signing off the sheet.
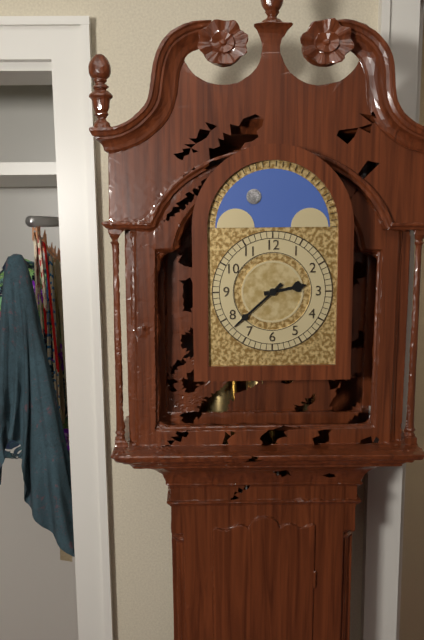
2:38
